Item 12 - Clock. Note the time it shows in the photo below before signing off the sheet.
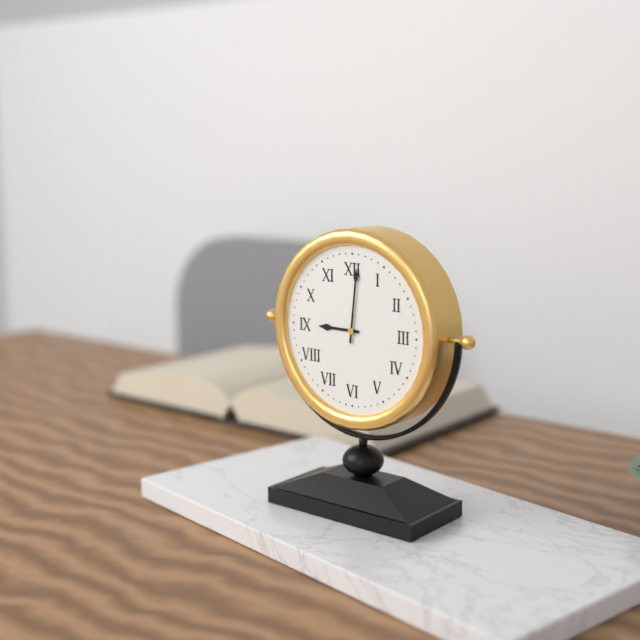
9:01
